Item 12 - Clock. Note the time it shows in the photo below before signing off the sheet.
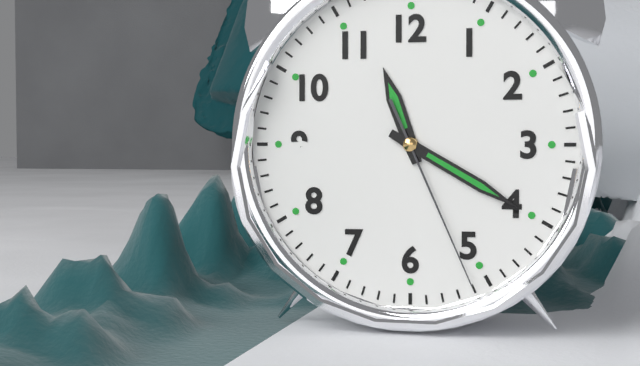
11:20:26
